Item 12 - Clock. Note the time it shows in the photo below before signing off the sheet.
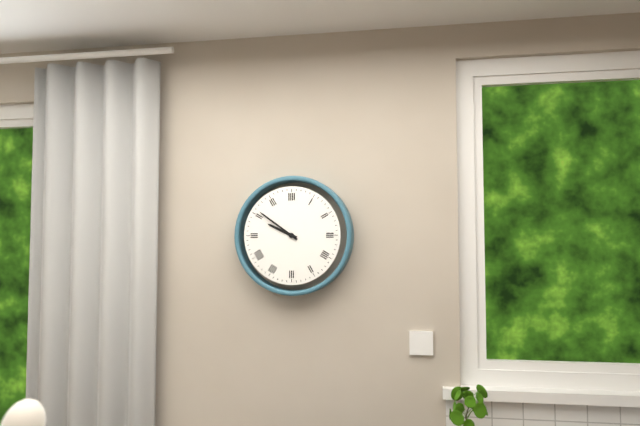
9:51
